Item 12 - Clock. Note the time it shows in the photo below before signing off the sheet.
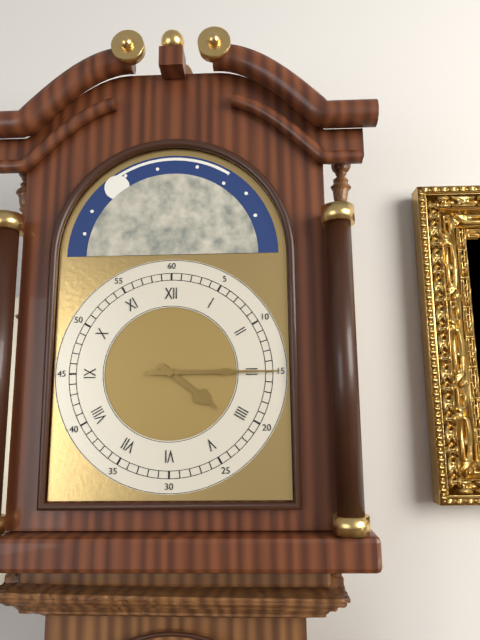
4:15
